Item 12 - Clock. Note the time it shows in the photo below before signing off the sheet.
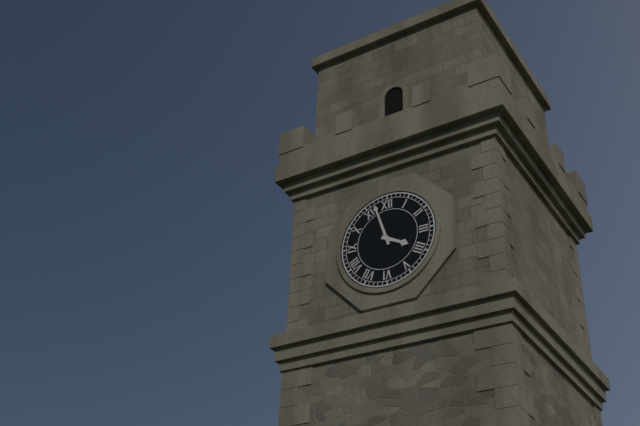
3:57
